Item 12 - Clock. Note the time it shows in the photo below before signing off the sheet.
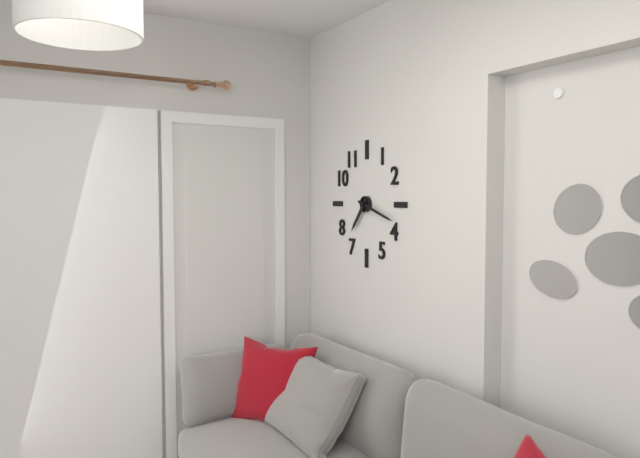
7:18
